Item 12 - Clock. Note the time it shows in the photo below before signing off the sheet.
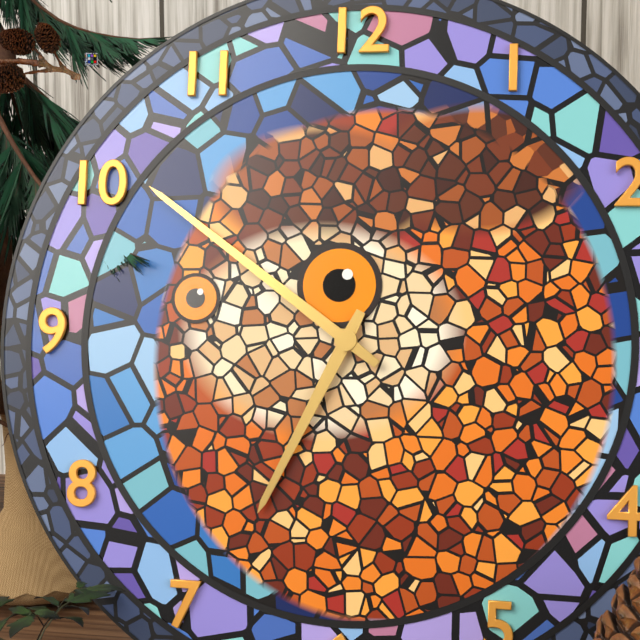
6:51
